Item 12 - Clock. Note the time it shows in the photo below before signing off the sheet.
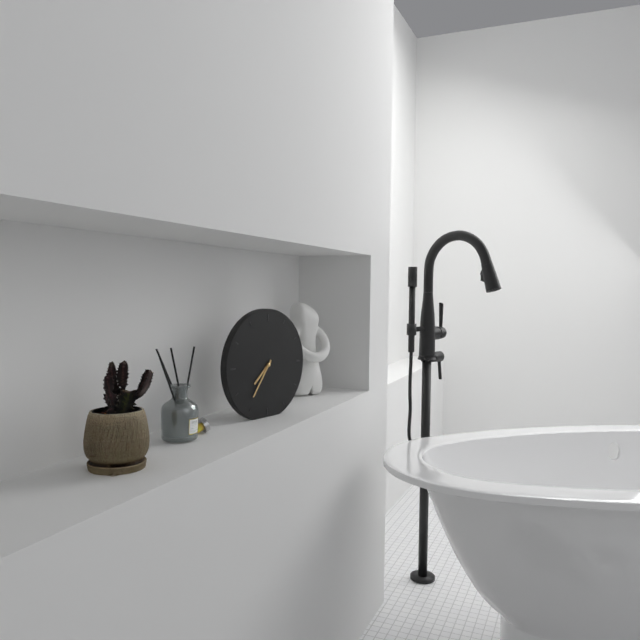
7:36
